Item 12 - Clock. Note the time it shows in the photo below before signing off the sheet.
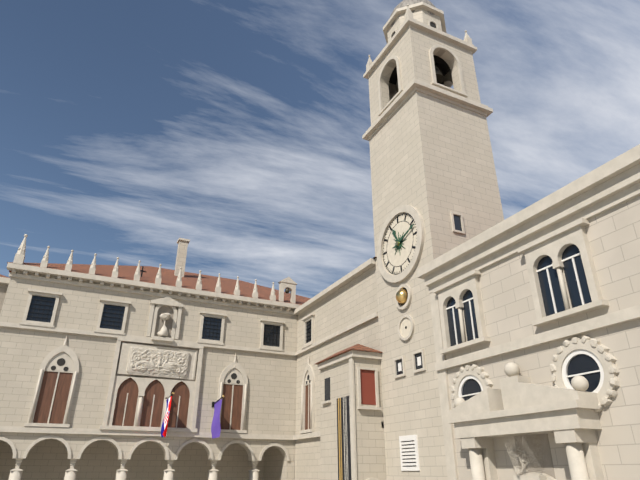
11:12
